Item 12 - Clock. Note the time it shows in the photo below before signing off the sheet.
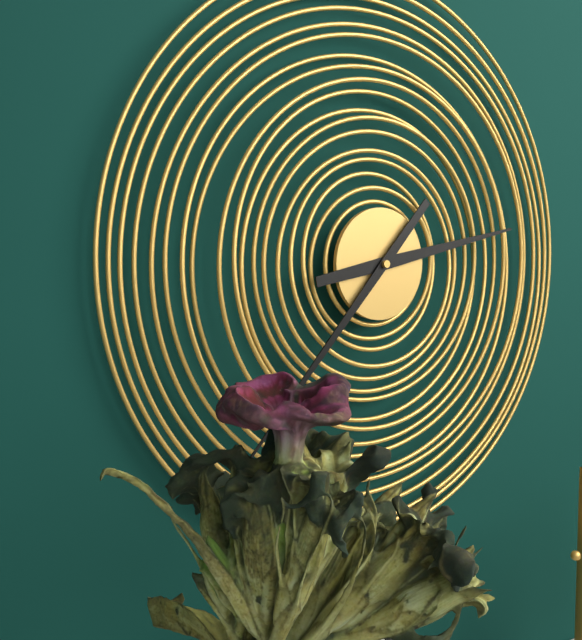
2:37
